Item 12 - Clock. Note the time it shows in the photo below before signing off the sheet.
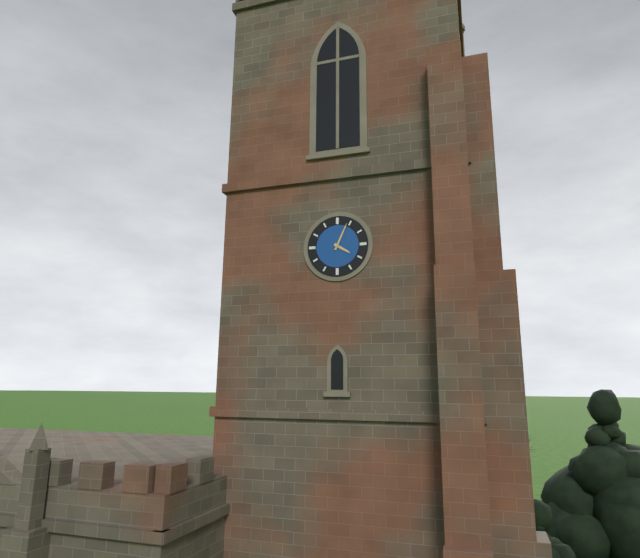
4:04
